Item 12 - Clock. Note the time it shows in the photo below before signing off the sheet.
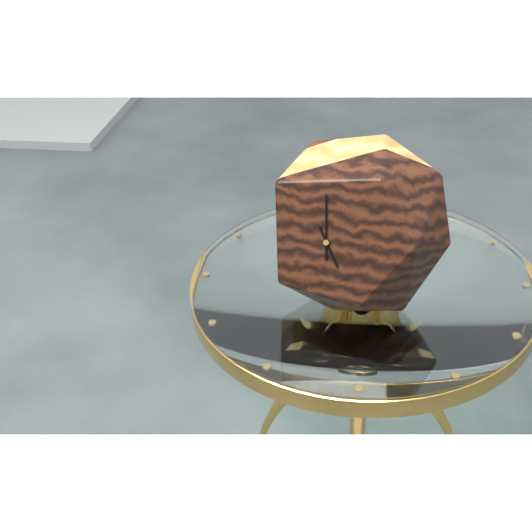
4:59
